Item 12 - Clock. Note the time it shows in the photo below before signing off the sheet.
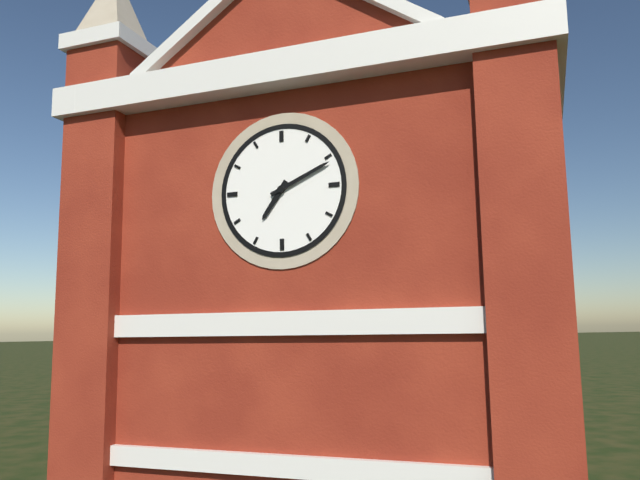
7:11
